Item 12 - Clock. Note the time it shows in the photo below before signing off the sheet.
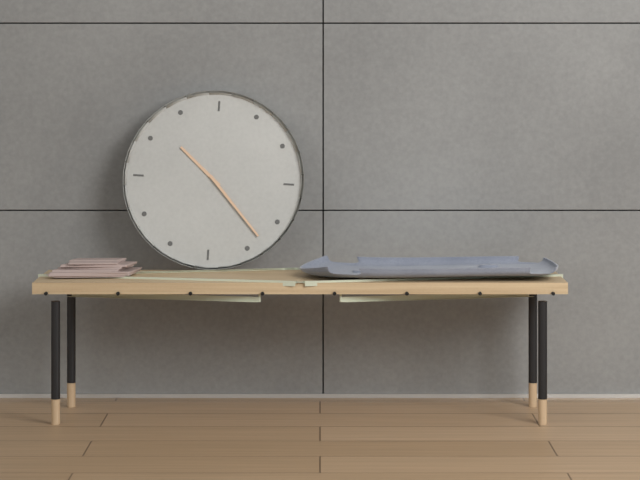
10:23
